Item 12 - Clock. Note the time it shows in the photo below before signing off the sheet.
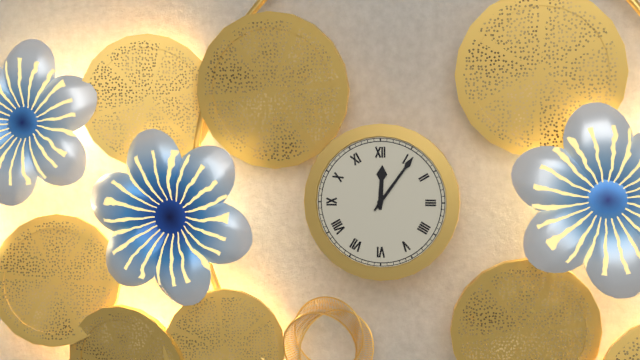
12:06
